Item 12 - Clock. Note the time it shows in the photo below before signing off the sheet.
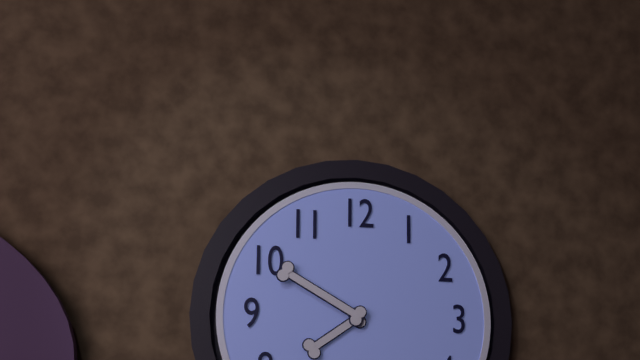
7:50
